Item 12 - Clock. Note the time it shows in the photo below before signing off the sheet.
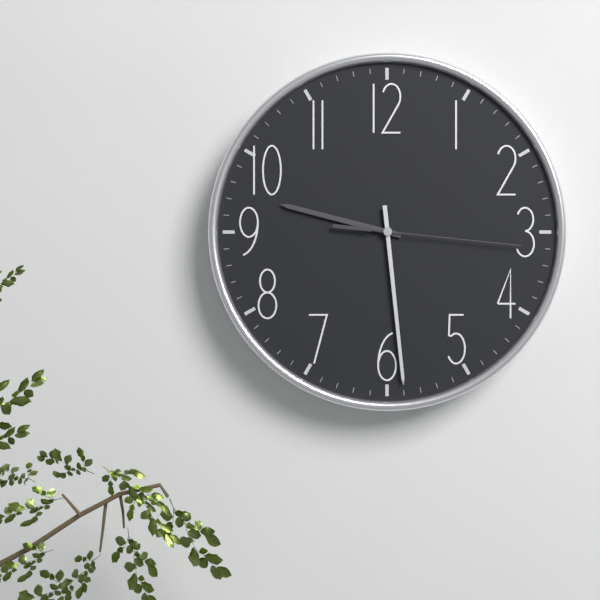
9:29:16
